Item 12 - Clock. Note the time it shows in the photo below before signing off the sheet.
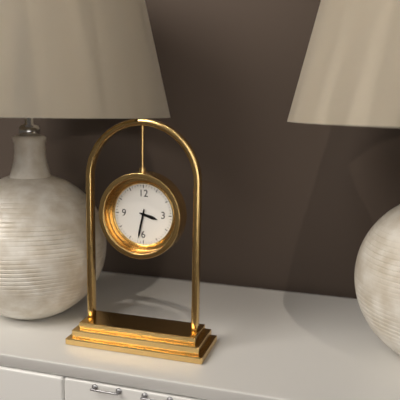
3:32
